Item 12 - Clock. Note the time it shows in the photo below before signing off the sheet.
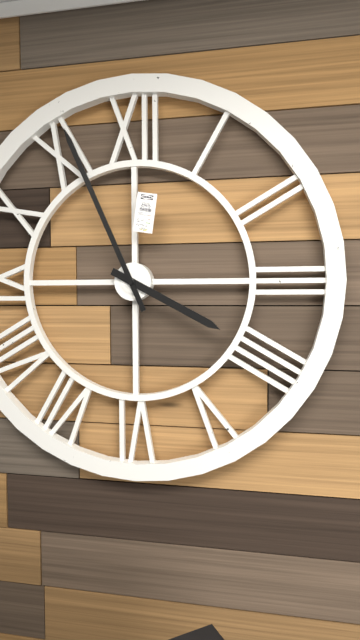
3:56
